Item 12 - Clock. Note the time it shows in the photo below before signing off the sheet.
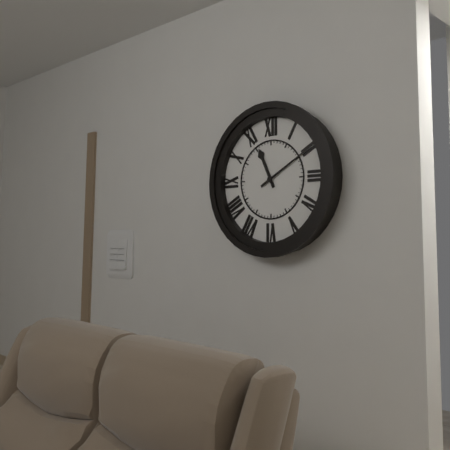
11:10
